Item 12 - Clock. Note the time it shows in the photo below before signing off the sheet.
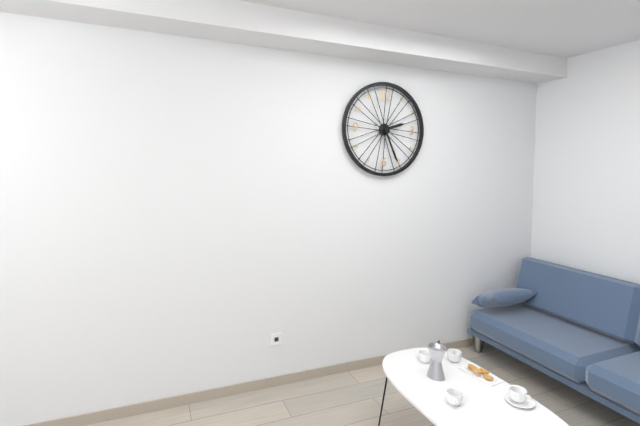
2:26
